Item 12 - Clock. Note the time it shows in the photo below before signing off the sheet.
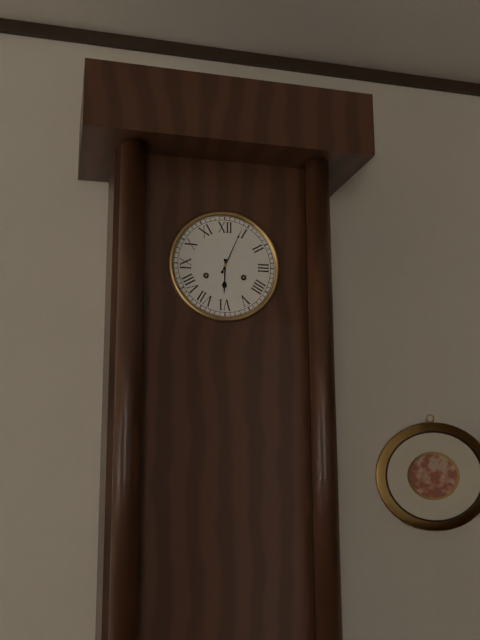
6:04
